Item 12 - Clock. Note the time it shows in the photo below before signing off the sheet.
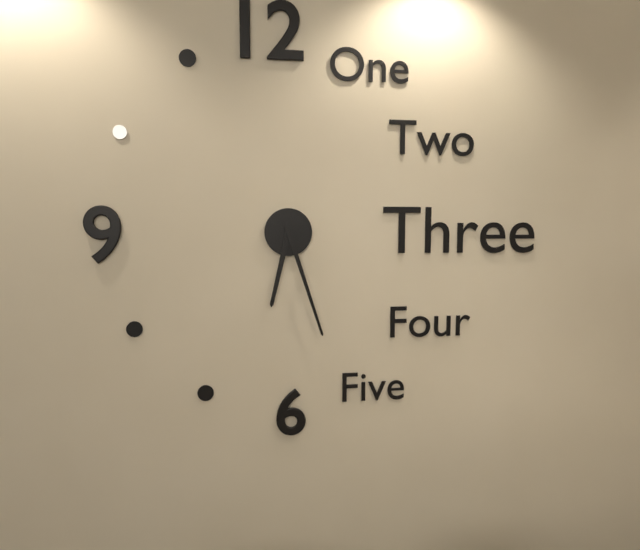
6:27
